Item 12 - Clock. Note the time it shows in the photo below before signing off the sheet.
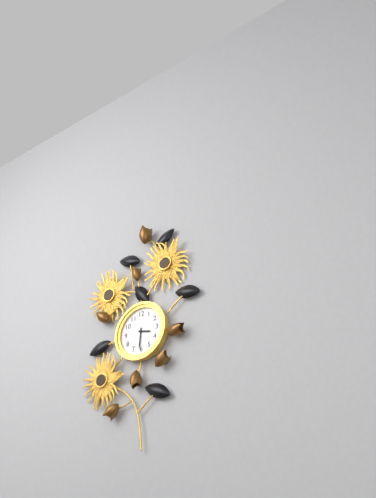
3:31
